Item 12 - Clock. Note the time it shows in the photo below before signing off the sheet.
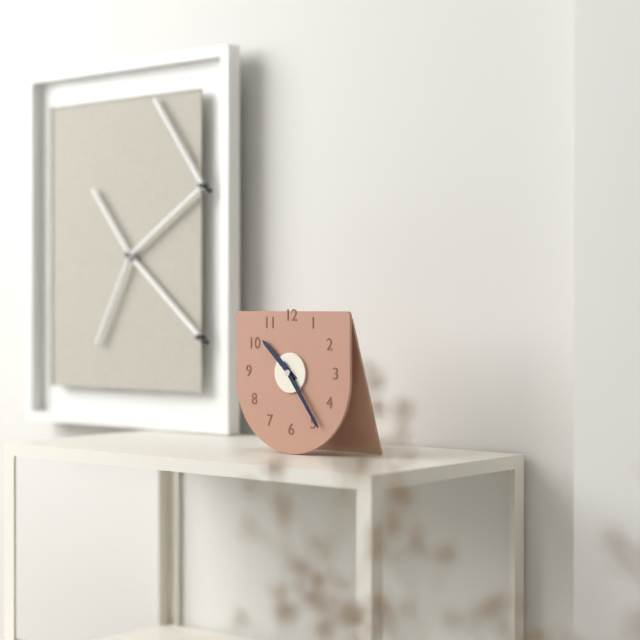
10:24
